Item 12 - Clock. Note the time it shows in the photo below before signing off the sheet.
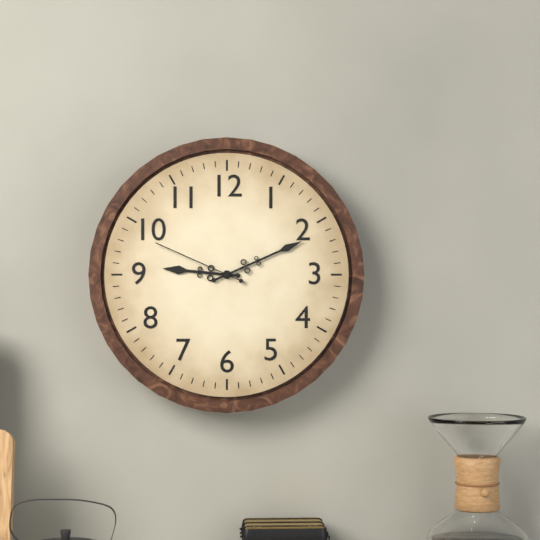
9:11:49
